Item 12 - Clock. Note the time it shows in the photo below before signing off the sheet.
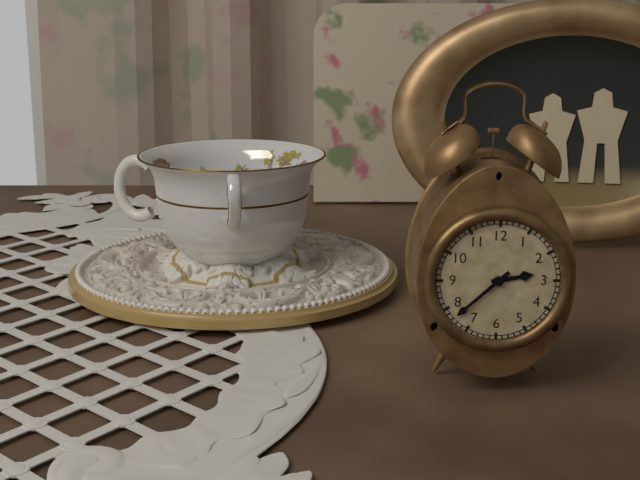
2:38
